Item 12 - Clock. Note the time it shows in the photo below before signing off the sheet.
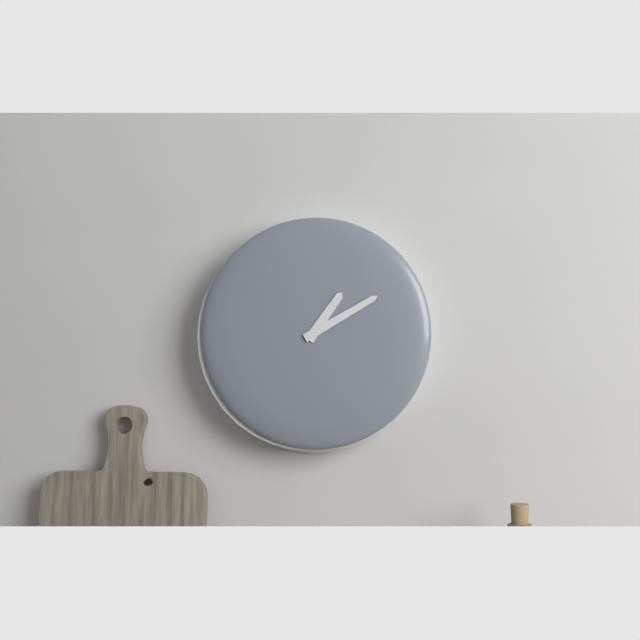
1:10
